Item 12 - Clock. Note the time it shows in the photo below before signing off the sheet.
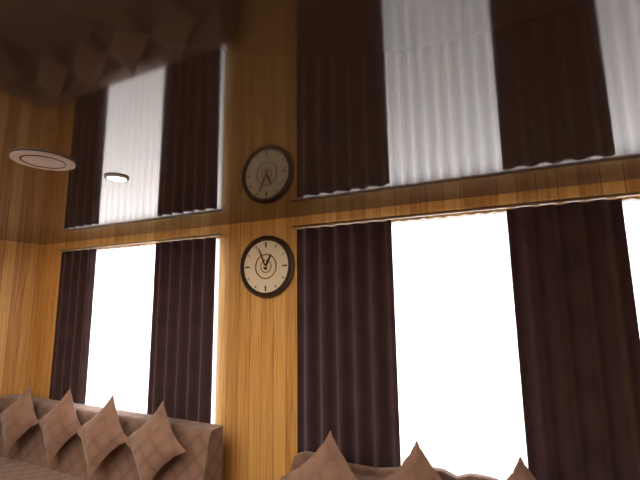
12:56
